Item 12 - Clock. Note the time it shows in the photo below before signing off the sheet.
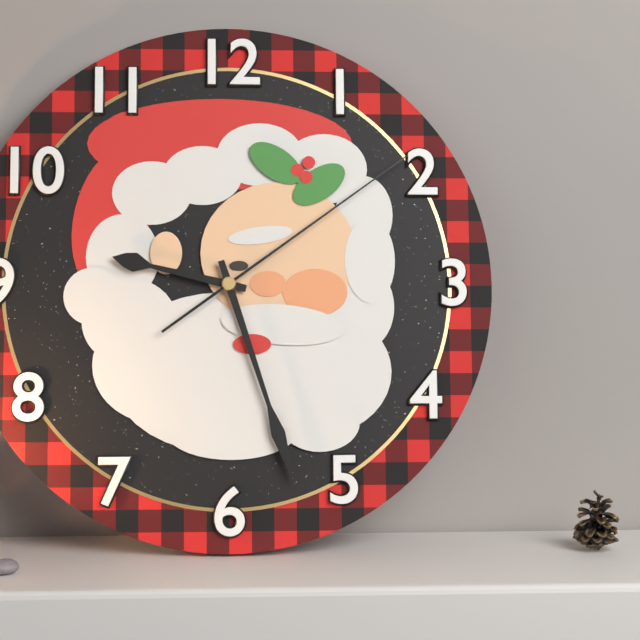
9:27:09
